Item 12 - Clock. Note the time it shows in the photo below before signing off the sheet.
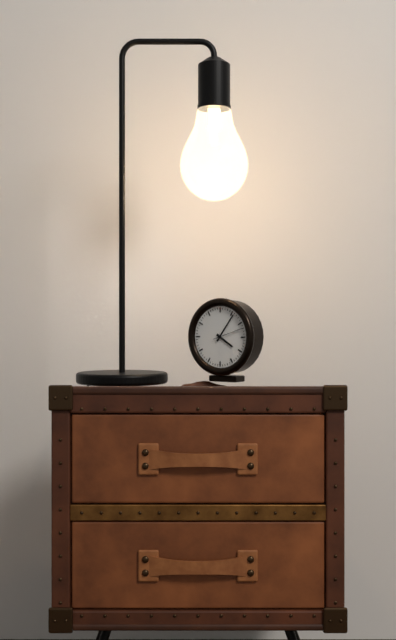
4:06
